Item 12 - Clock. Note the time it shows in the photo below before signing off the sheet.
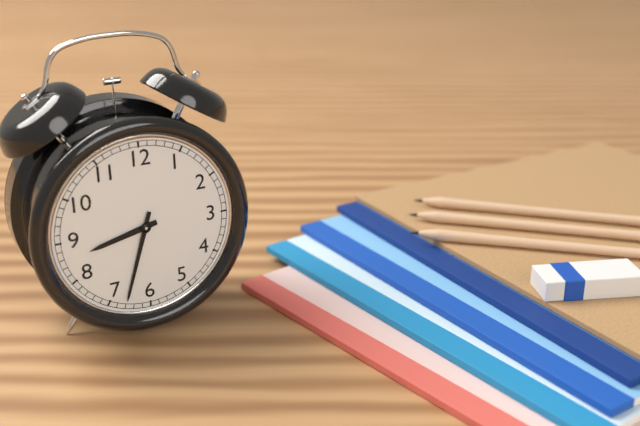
8:33
